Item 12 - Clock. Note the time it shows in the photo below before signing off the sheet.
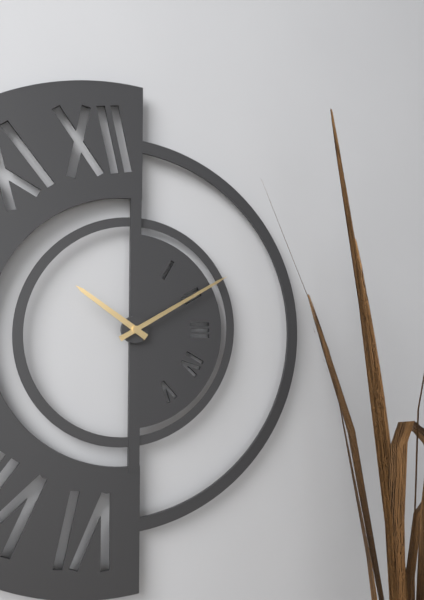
10:10
